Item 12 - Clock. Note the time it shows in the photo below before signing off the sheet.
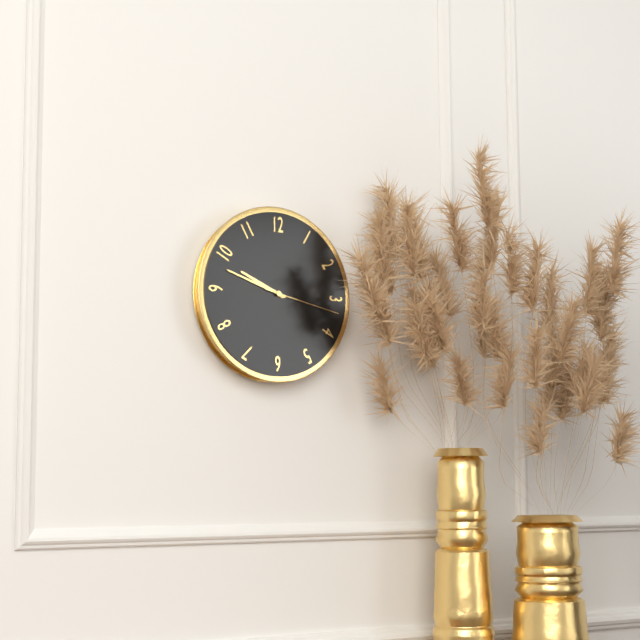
9:48:17
